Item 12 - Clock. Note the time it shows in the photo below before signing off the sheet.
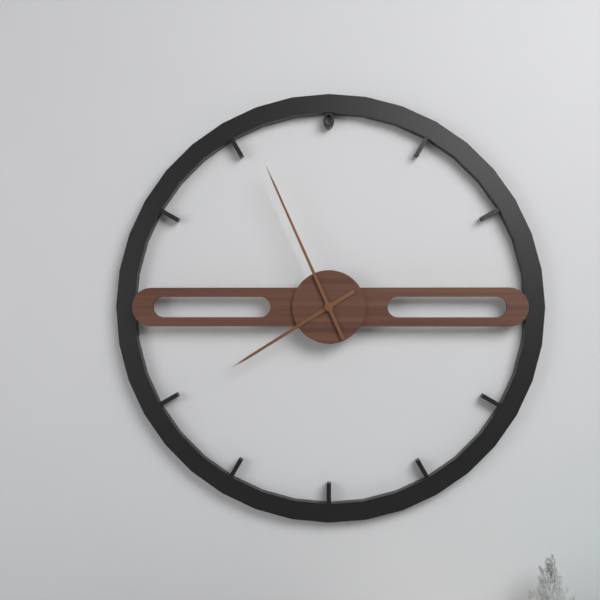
7:56
